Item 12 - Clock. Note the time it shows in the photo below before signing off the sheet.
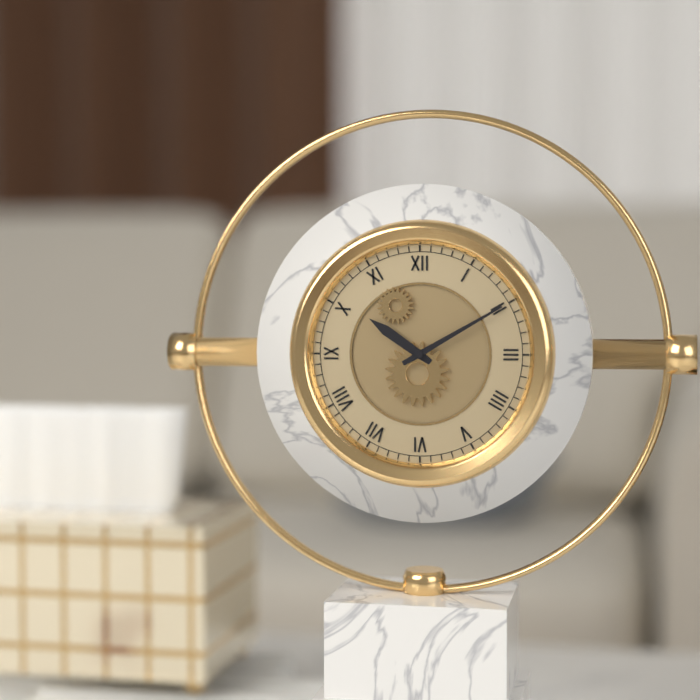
10:10
